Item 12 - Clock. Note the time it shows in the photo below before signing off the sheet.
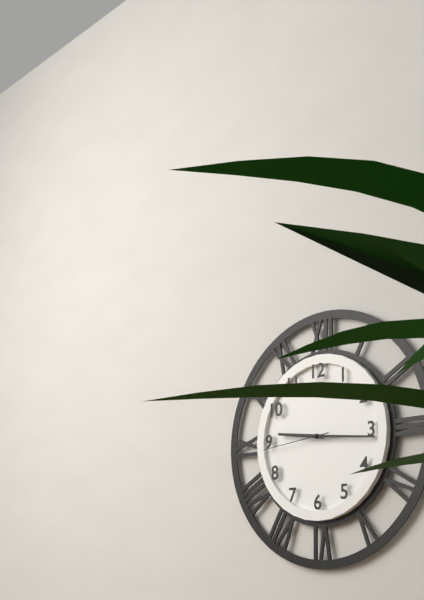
9:16:44
